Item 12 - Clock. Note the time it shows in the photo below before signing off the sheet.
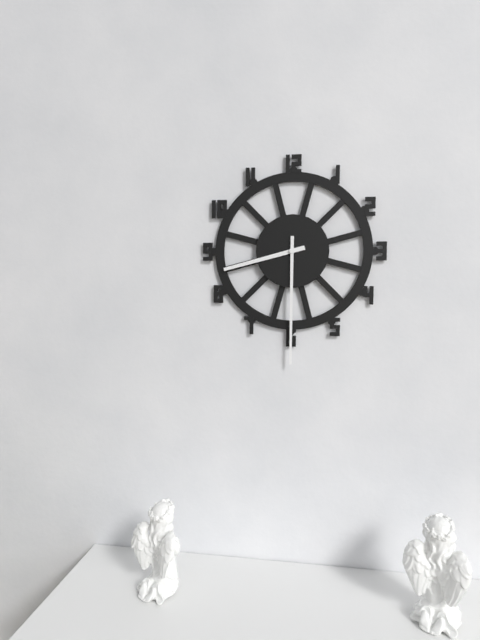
8:30
